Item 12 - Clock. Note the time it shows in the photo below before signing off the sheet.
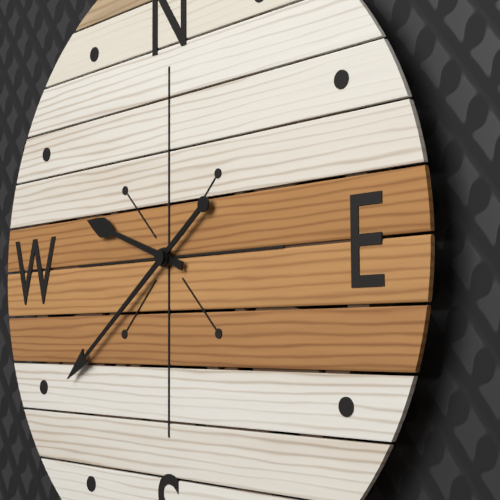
9:39
